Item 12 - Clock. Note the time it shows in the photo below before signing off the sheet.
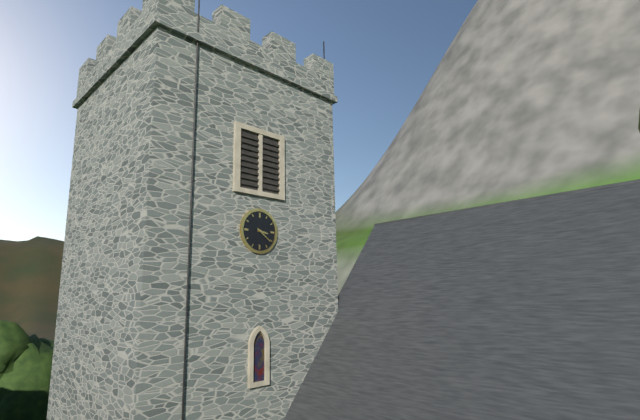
3:21
